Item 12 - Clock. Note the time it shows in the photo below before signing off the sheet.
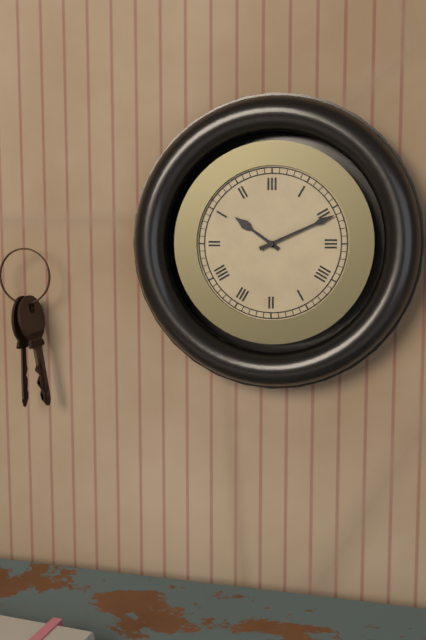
10:11
